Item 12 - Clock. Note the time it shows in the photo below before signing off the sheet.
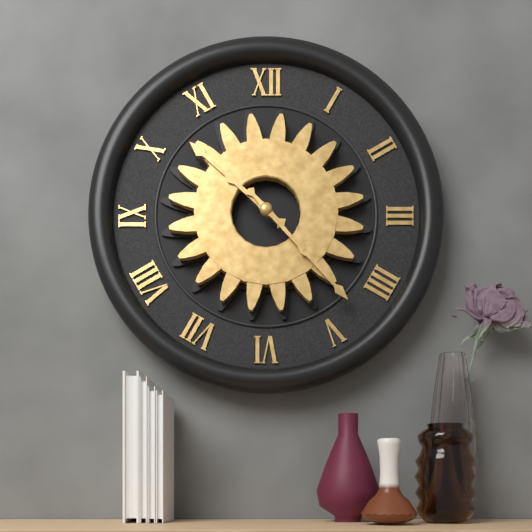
10:23
